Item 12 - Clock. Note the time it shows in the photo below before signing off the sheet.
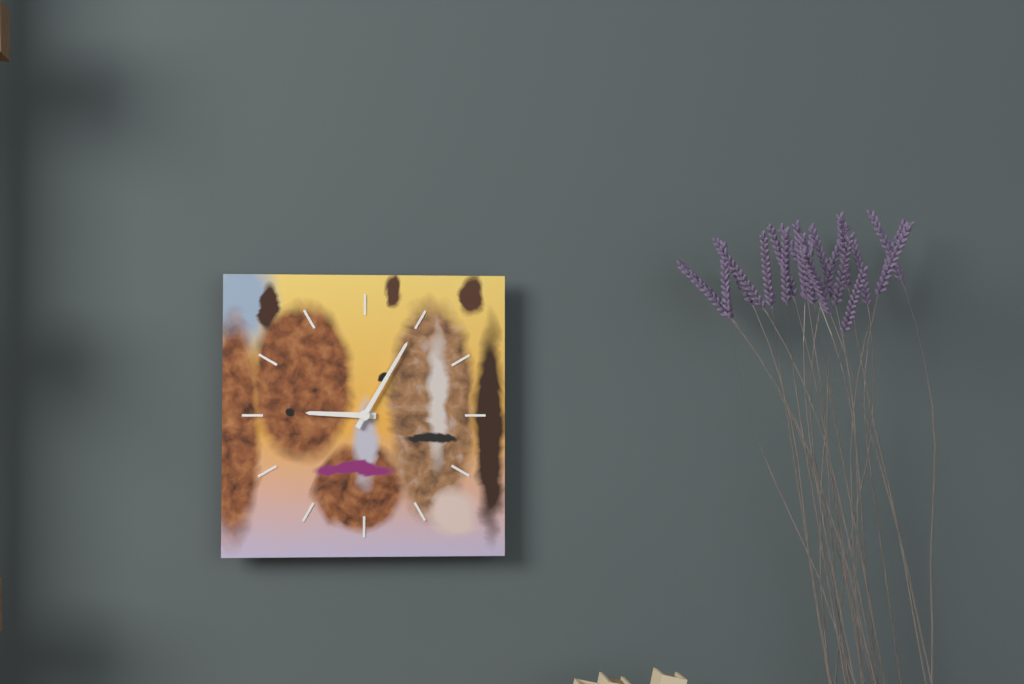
9:05
